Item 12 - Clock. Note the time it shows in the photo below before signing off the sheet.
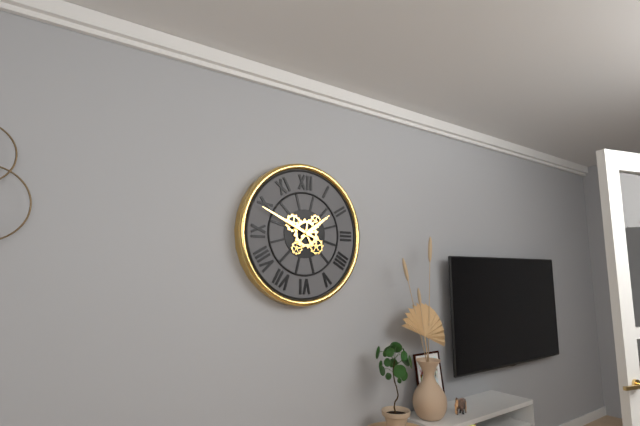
1:49
